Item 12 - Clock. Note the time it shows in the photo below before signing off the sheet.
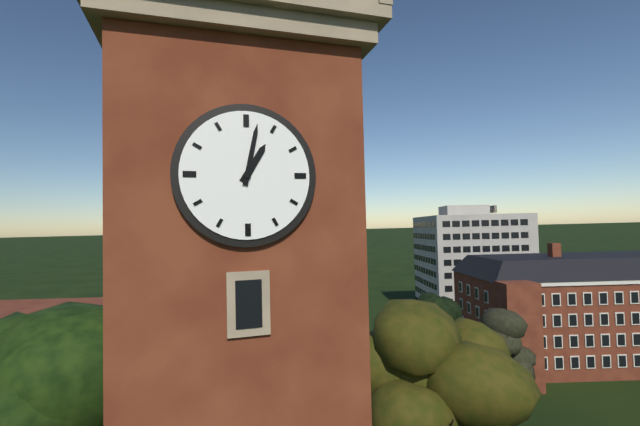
1:02
